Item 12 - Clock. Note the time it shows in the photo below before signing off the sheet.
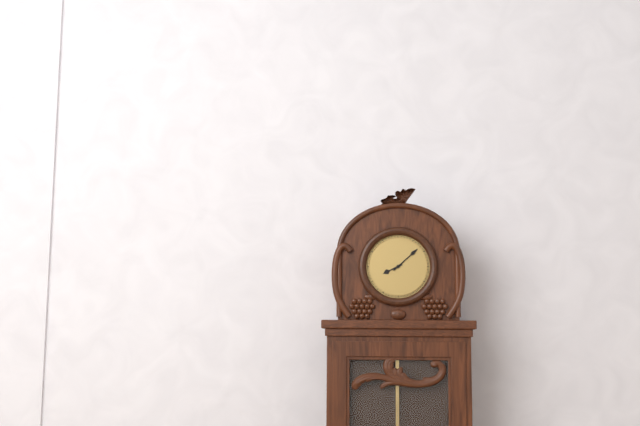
8:08
